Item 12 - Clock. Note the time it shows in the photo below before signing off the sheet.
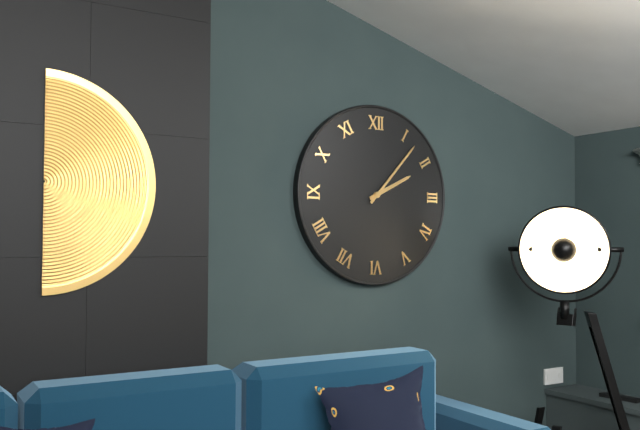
2:07
